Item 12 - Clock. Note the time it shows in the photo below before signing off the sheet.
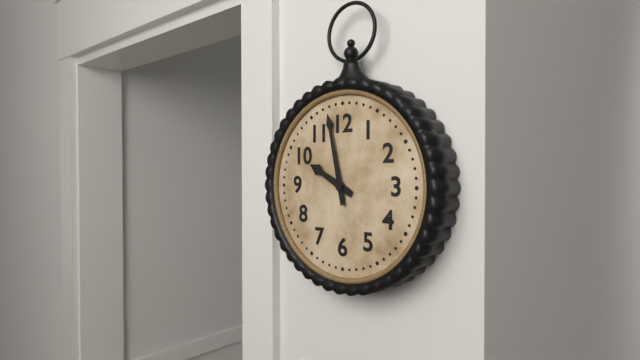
9:58
